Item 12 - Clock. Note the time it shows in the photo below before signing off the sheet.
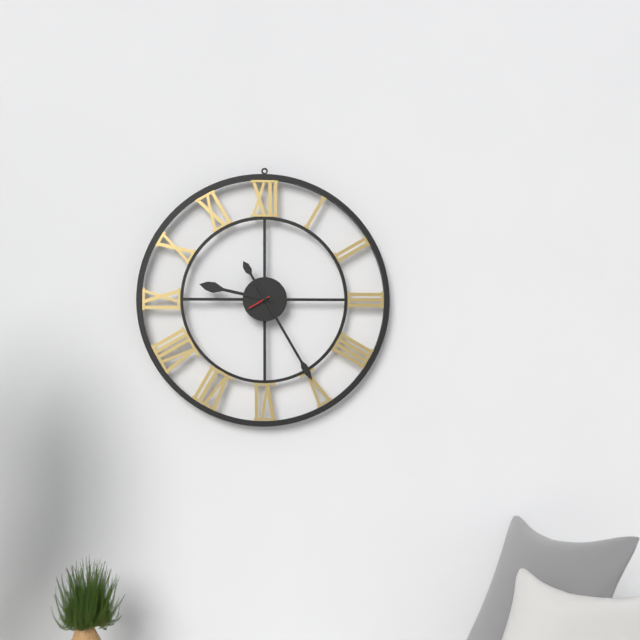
9:25
